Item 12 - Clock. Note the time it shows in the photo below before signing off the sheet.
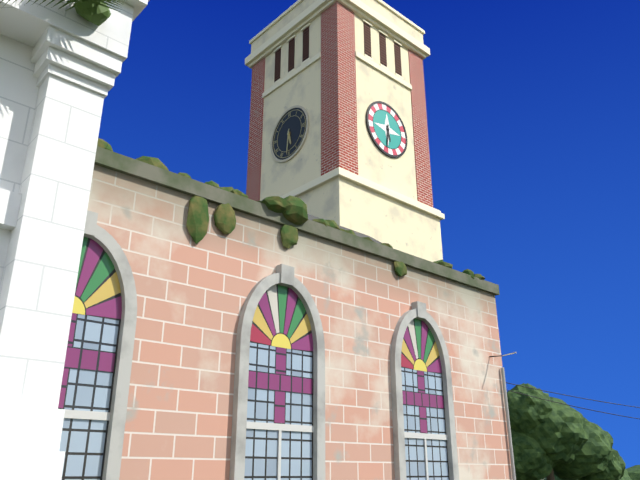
5:31
